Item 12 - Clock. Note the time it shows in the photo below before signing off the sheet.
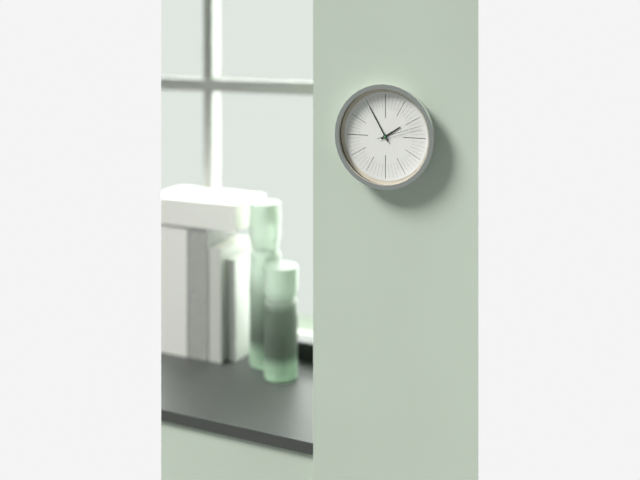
1:55
